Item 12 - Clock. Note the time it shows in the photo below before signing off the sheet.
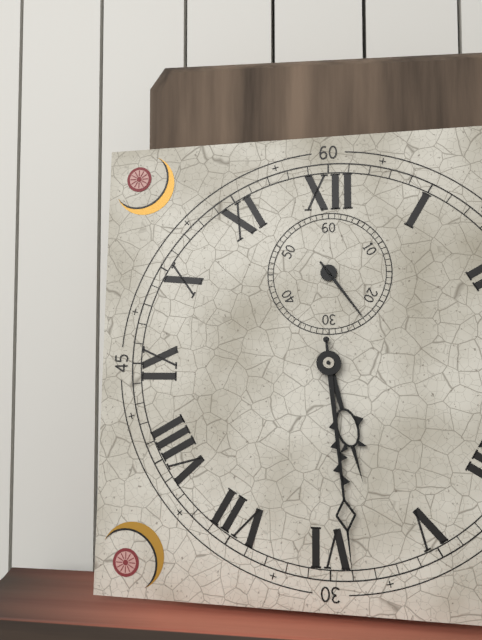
5:29:24
